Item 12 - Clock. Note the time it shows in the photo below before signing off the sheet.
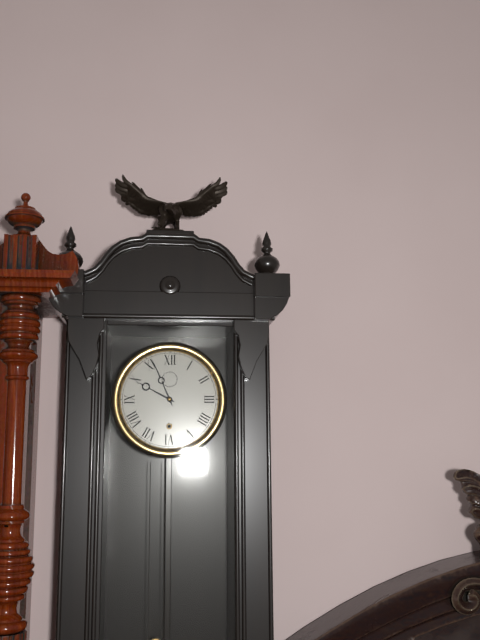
9:56
